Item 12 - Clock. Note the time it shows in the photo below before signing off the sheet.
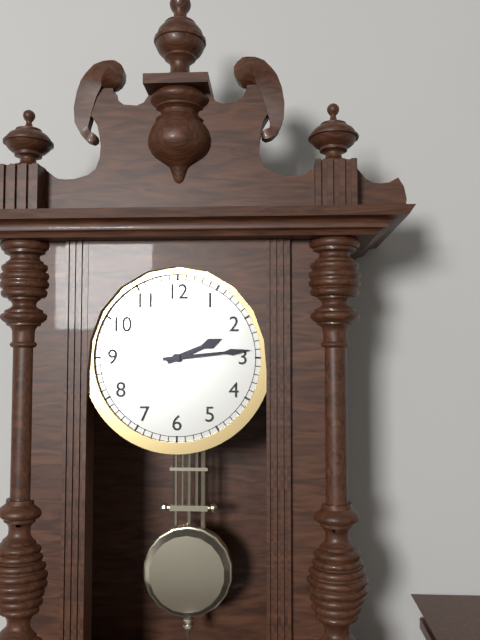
2:14
